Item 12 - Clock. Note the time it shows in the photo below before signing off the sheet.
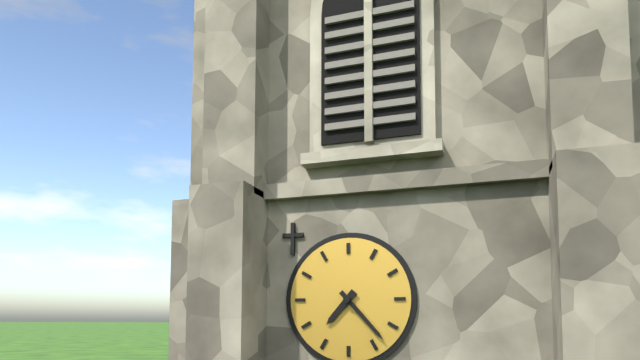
7:23
